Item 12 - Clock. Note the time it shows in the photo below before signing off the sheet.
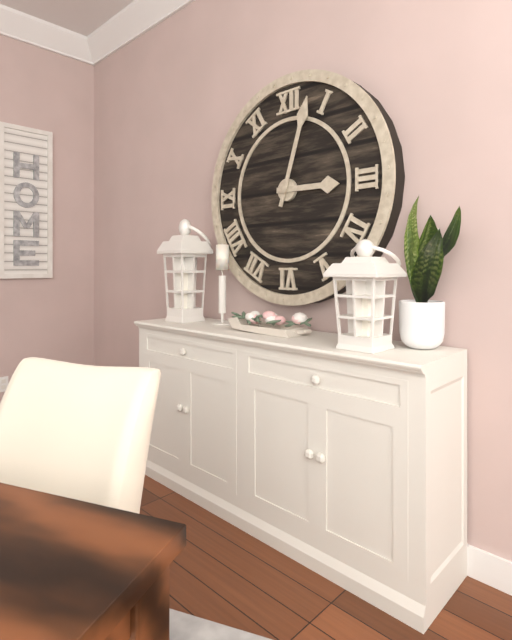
3:03
